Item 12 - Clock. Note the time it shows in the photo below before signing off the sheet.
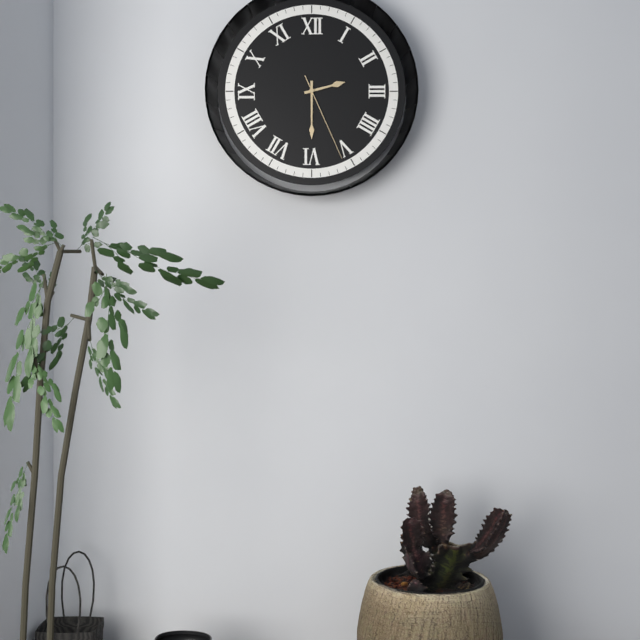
2:30:26
